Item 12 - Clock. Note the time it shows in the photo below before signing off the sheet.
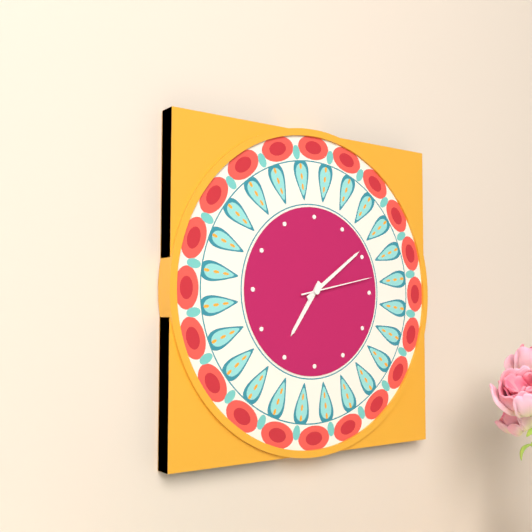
7:09:13
